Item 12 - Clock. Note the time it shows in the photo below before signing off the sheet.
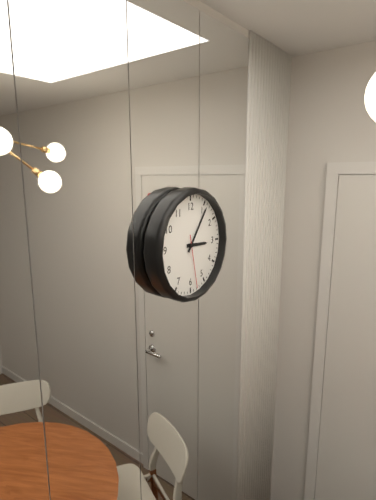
3:06:28
